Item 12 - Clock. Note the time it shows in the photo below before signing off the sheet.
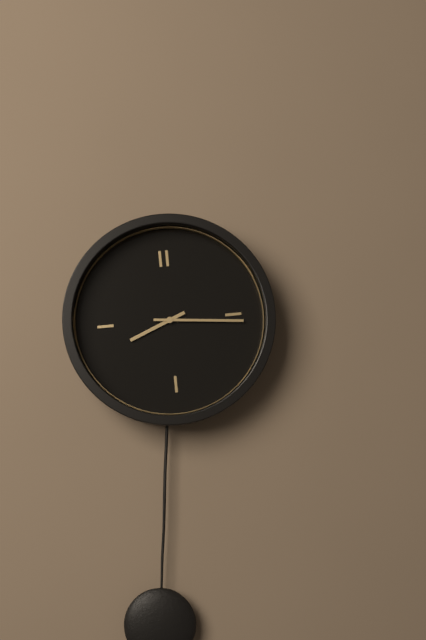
8:16
